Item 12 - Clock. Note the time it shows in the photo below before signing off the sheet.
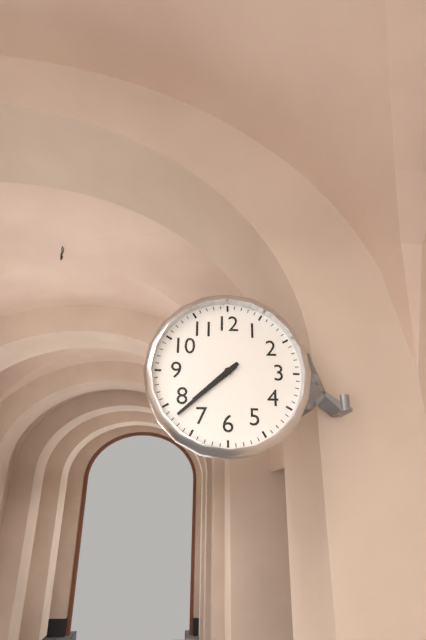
7:38
